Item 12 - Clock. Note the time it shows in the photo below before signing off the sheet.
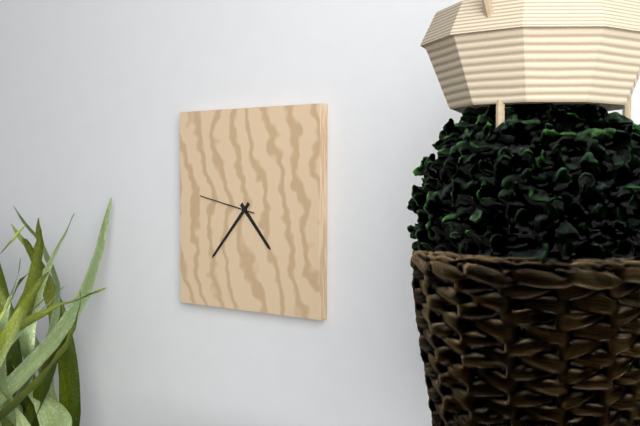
4:37:47
